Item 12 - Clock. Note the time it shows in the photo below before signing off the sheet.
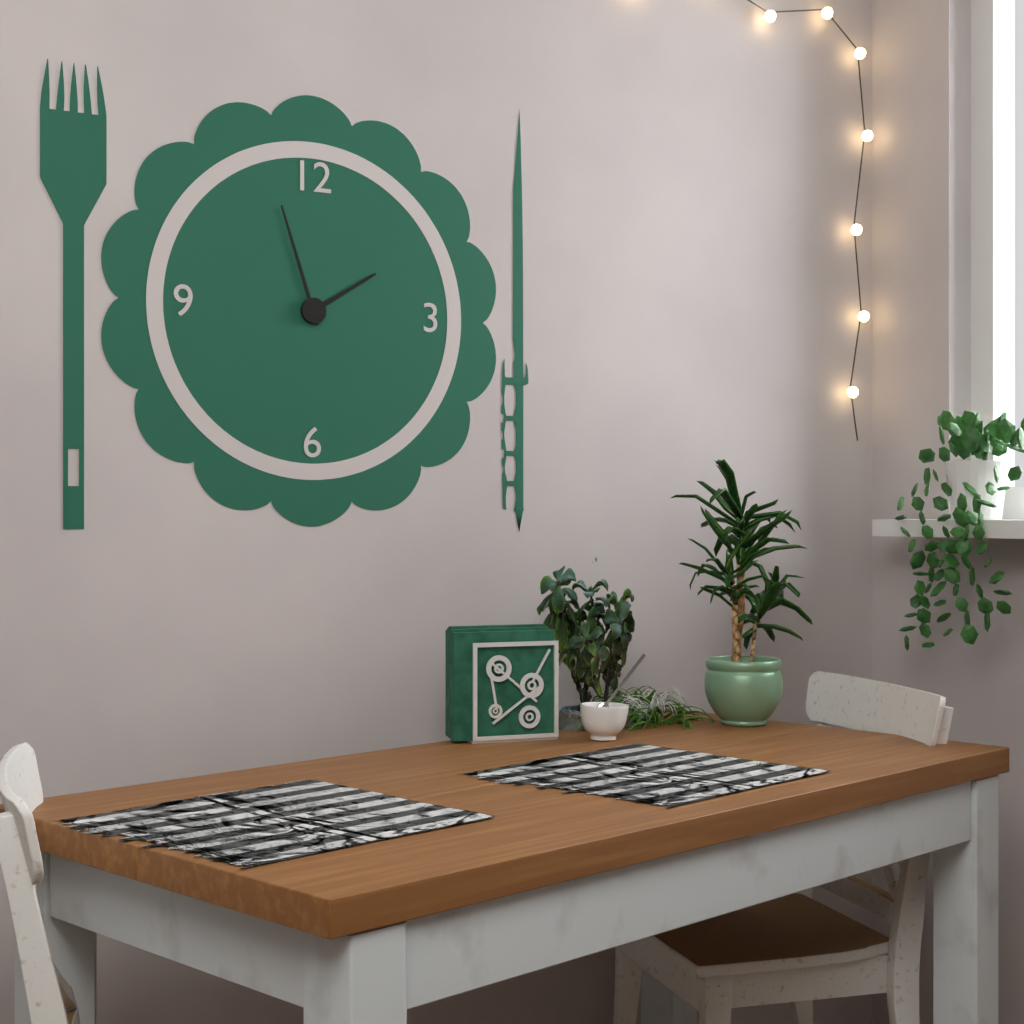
1:57
